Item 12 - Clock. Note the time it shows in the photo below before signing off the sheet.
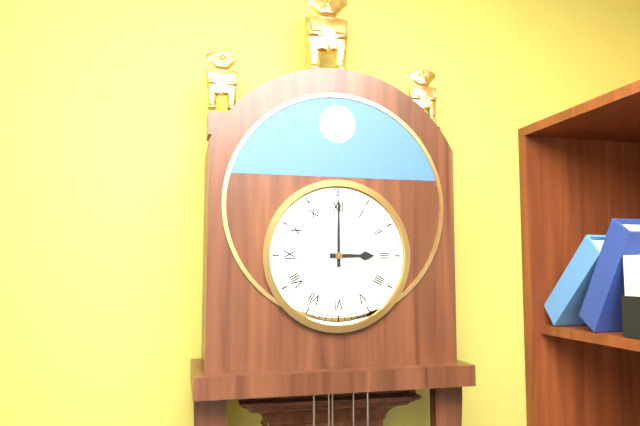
3:00
